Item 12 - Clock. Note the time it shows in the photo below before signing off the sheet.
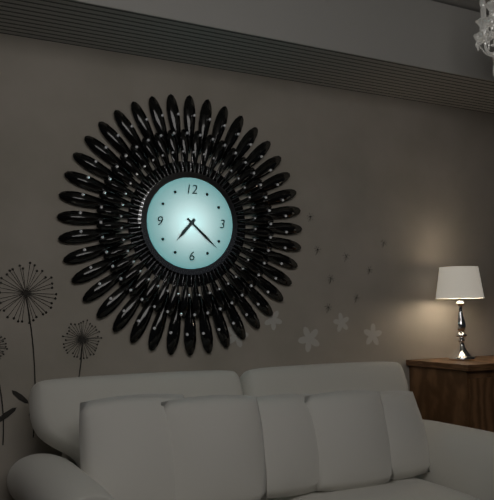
7:22
